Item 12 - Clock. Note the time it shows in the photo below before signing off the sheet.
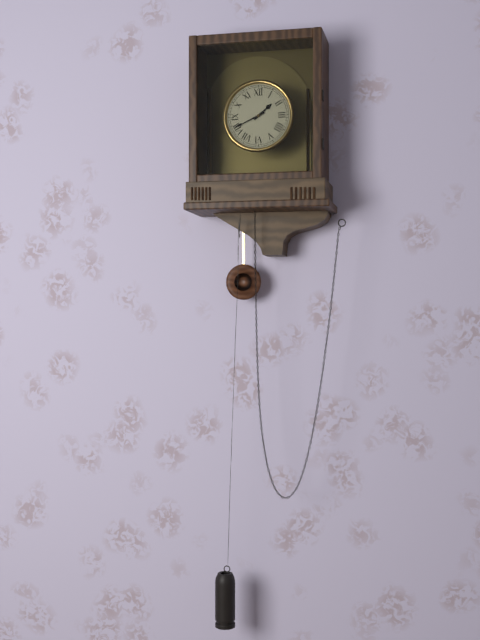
1:41
